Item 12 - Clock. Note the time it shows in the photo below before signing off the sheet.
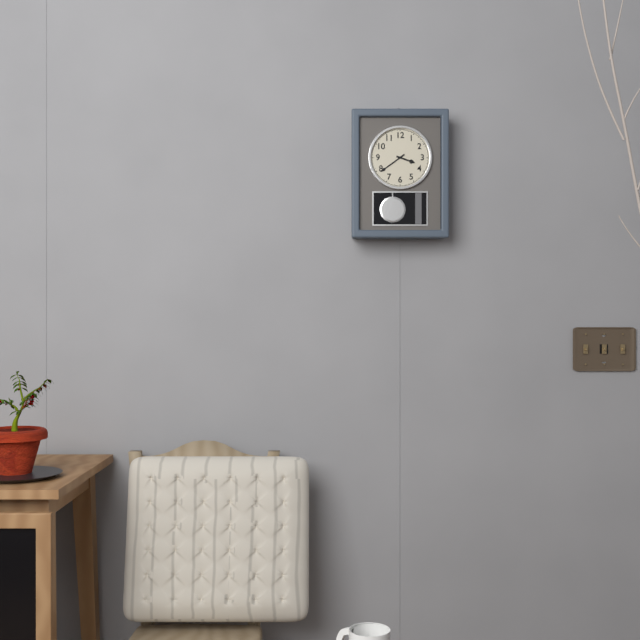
3:39
